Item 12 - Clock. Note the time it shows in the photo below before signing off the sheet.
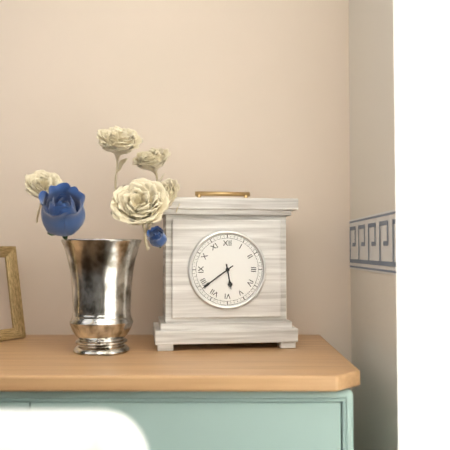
5:39
